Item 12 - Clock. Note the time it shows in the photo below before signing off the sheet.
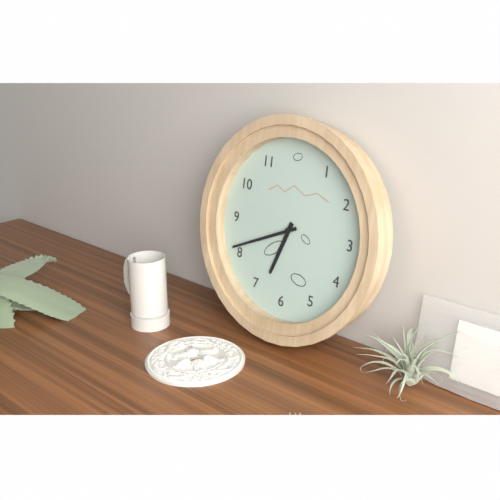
6:41
